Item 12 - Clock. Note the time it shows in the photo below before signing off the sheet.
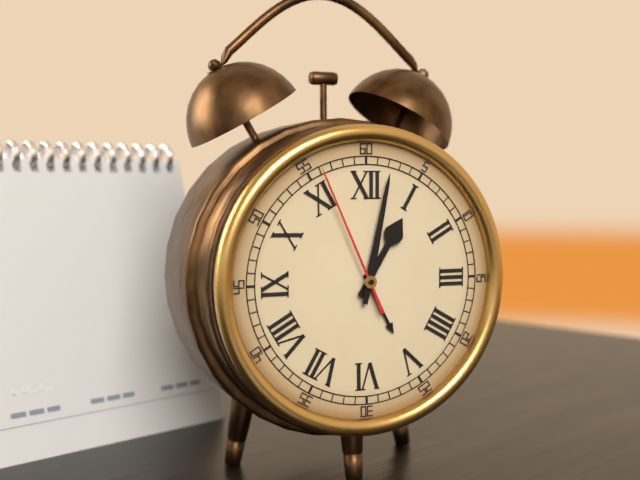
1:02:56
